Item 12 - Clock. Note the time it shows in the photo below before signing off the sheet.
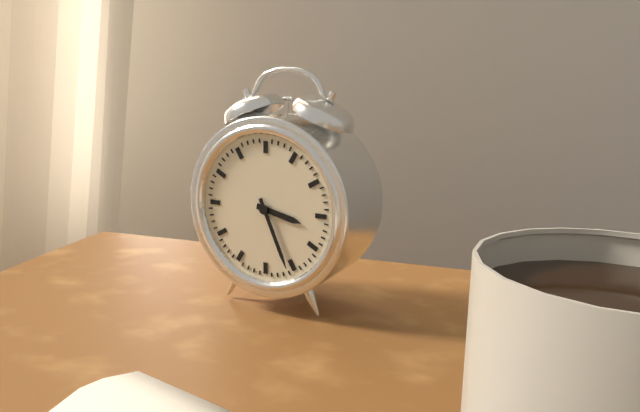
3:26
